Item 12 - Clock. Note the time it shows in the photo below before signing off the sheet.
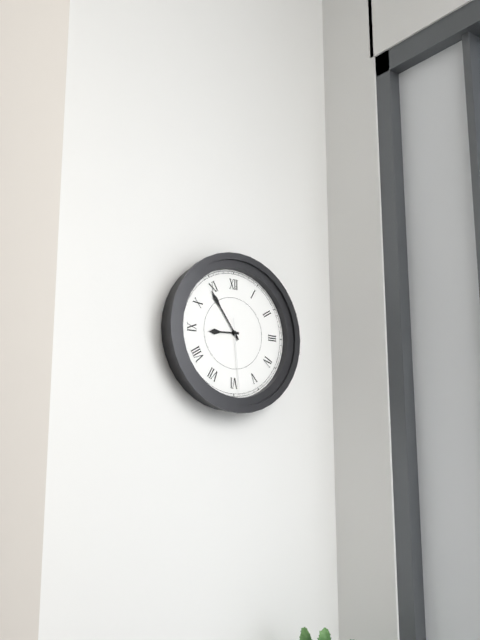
8:54:29
